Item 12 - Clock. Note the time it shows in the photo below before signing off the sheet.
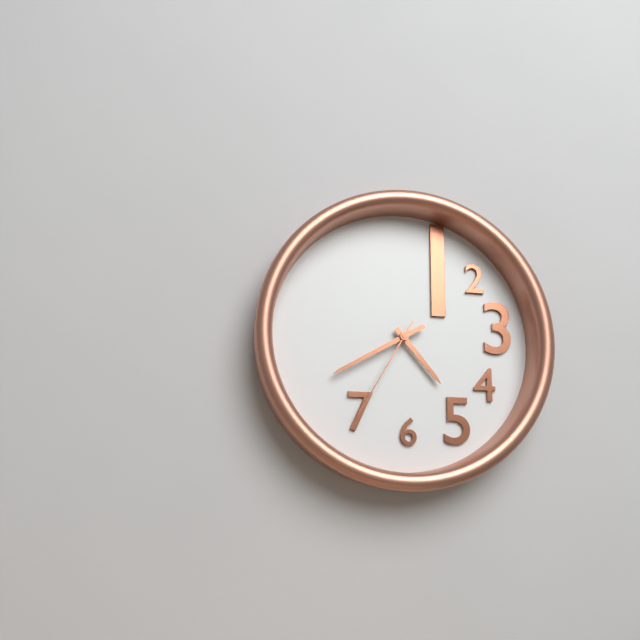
4:40:35
